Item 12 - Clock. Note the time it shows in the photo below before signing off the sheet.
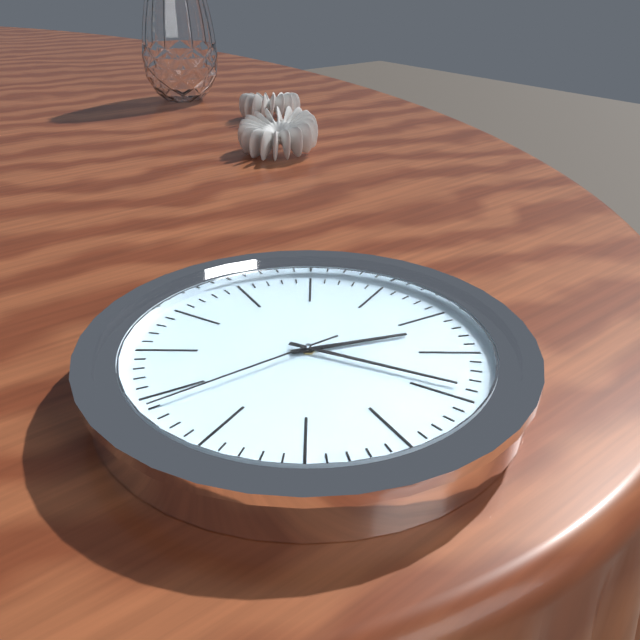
3:24:44
